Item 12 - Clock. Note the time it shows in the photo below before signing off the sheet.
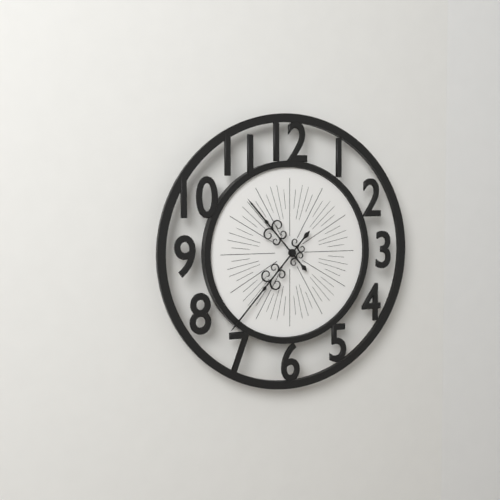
10:37
